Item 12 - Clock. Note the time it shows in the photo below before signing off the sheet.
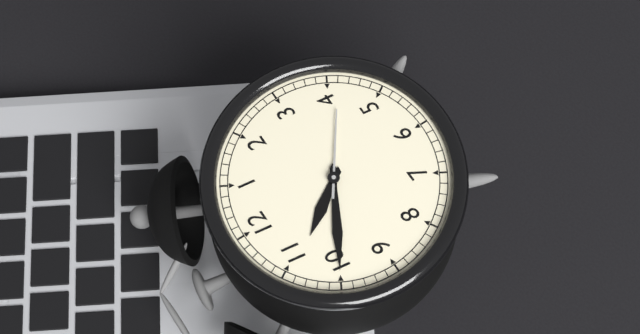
10:50:21
